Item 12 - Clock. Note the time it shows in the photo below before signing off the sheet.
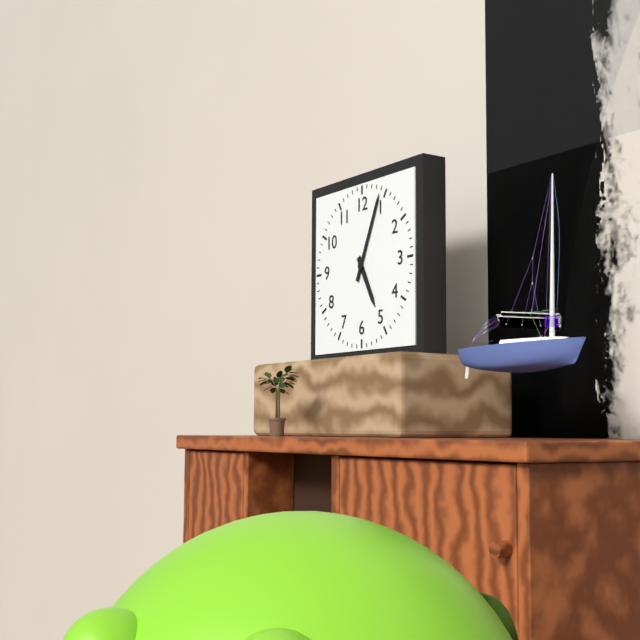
5:04
